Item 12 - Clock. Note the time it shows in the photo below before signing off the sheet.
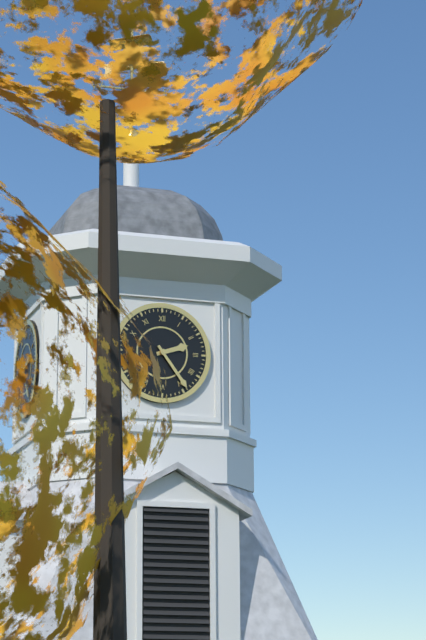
2:24
